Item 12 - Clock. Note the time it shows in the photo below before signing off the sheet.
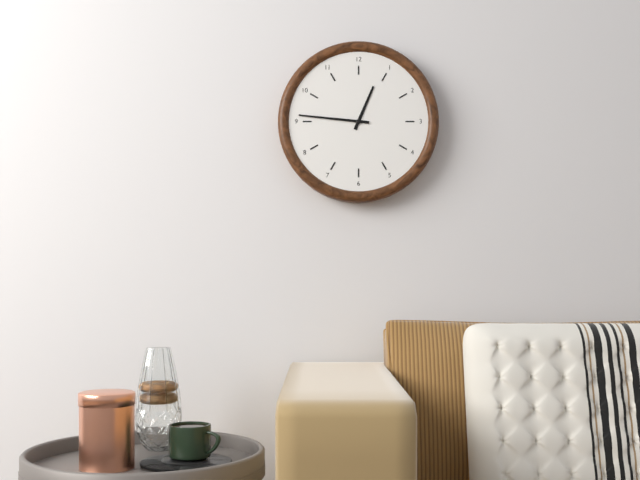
12:46
